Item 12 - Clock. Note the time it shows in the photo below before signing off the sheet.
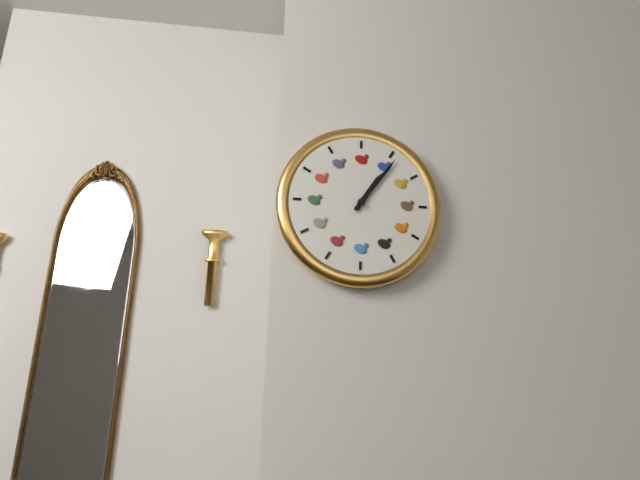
1:06
